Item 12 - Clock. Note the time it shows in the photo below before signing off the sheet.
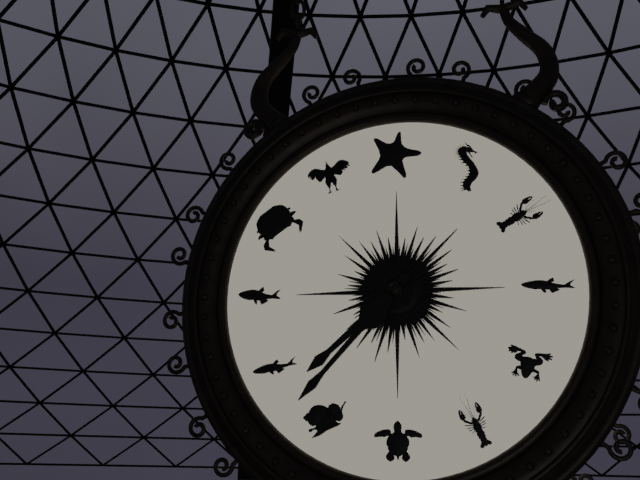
7:37
